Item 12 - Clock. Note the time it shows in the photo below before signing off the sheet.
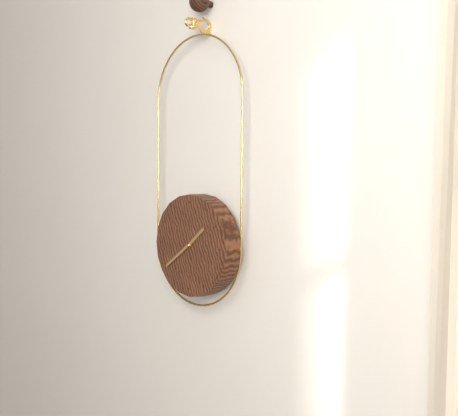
1:39
